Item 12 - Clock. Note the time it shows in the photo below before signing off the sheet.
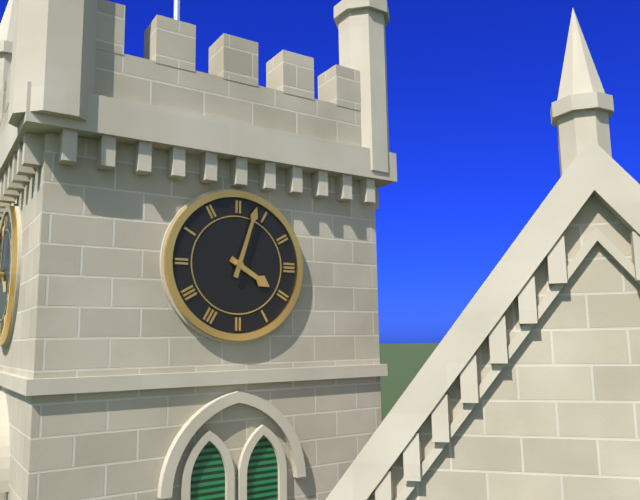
4:03
